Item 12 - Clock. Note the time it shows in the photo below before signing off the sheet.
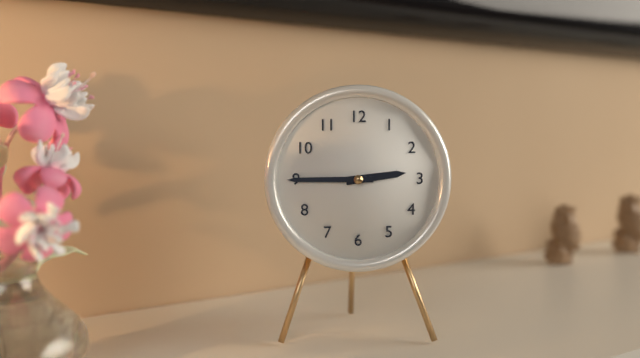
2:45
